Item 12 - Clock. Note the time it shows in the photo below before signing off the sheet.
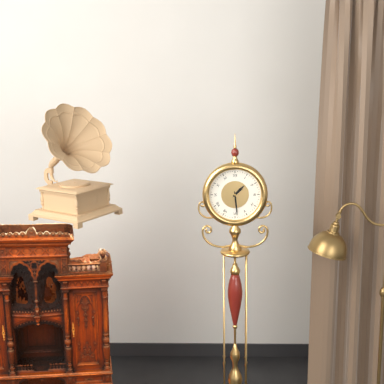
1:29
